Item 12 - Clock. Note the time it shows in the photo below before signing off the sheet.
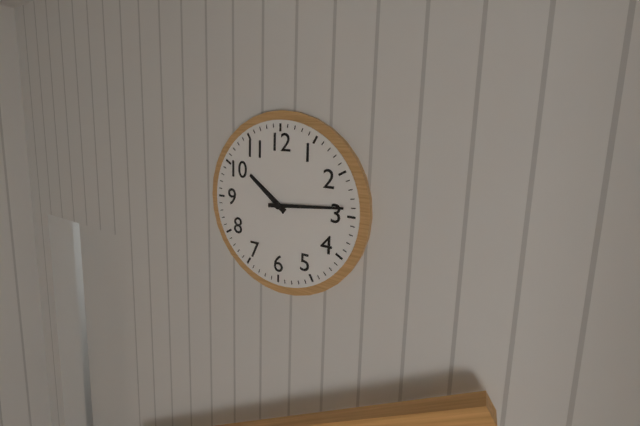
10:14
